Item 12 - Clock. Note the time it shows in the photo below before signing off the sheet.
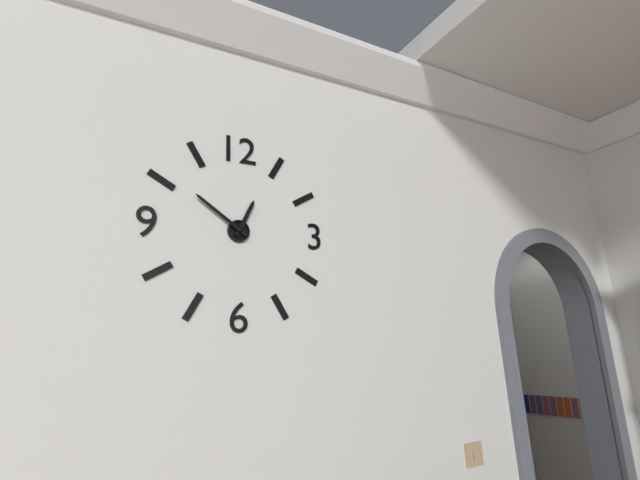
12:51
